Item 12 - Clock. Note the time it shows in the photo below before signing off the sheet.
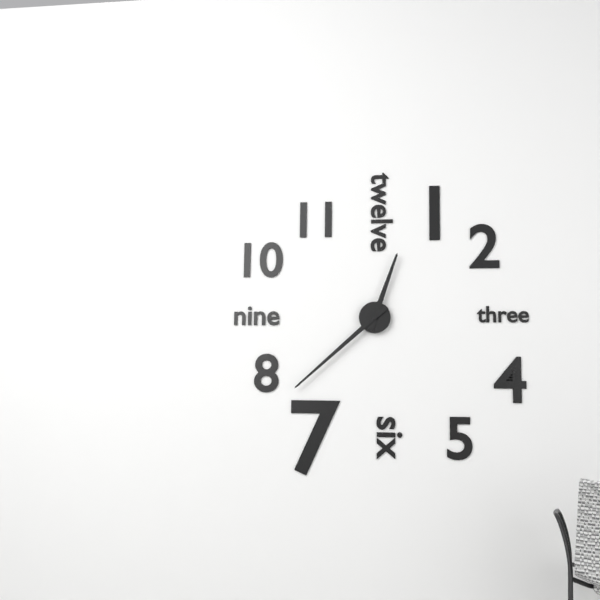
12:38
